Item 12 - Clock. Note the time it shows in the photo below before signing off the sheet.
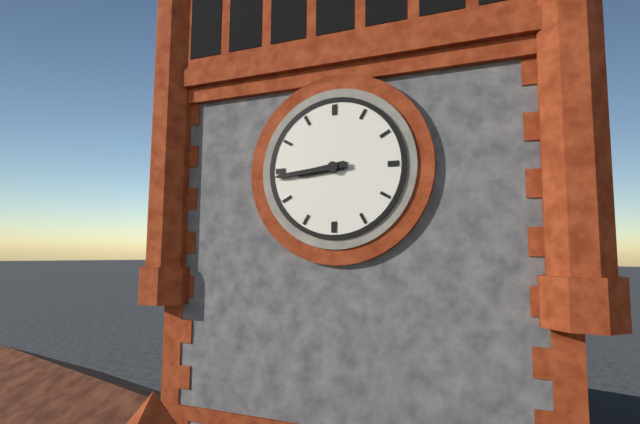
8:44
